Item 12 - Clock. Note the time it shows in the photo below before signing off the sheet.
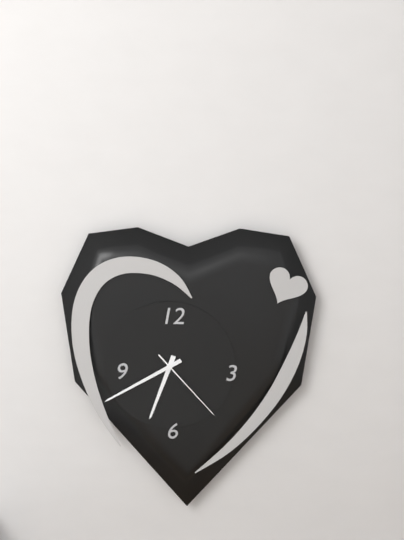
6:40:23
